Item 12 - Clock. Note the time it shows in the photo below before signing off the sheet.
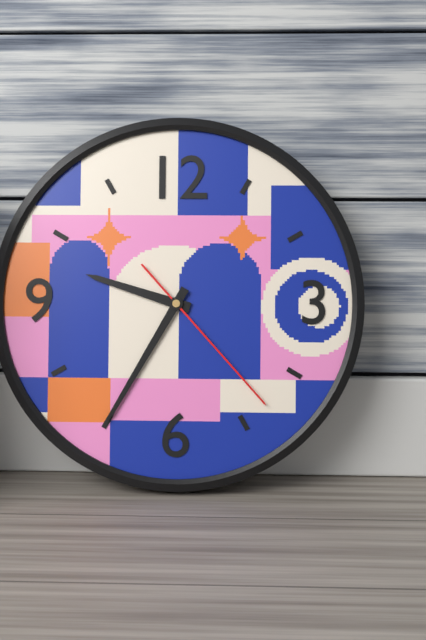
9:35:23
